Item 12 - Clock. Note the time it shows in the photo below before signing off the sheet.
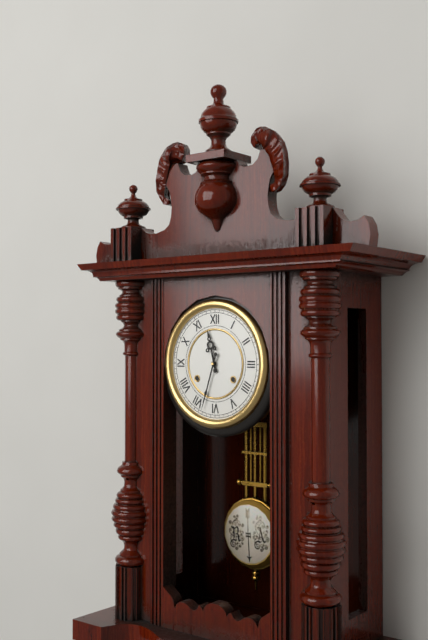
11:33
